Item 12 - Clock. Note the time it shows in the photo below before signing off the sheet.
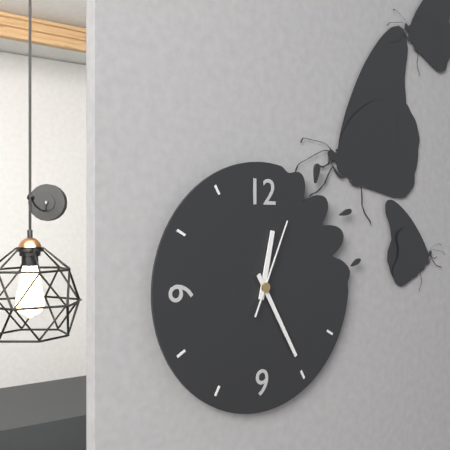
12:25:04
